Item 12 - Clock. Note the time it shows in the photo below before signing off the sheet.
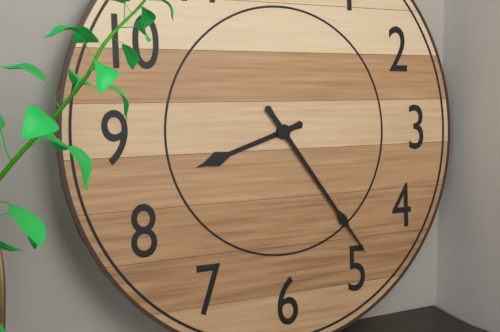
8:24
